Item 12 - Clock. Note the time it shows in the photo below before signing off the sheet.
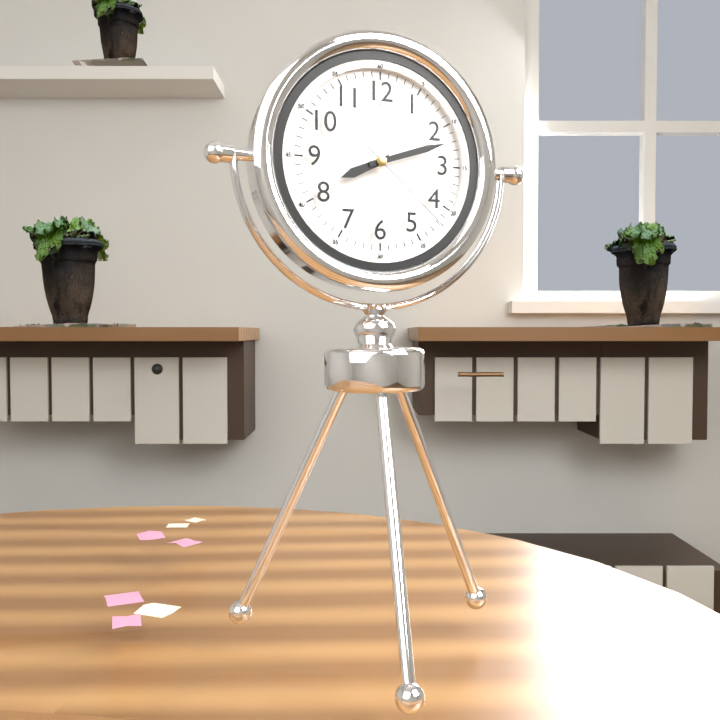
8:12:22
